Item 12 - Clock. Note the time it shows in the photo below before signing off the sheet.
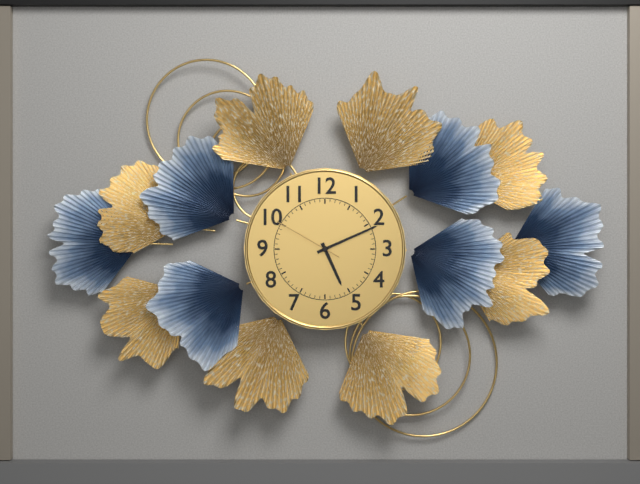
5:11:50
